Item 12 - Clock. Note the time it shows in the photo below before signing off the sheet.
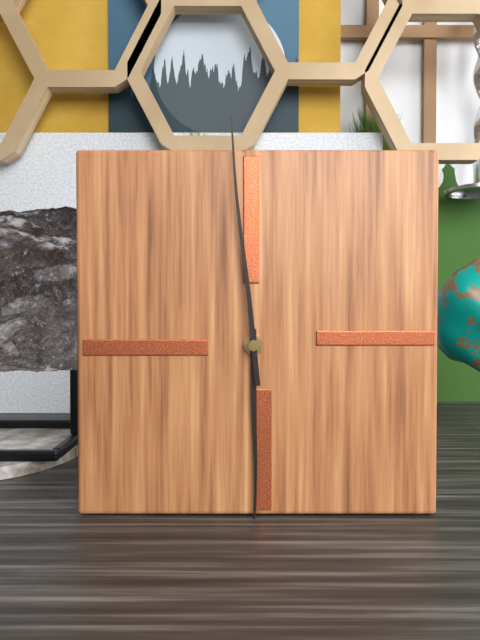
5:59
